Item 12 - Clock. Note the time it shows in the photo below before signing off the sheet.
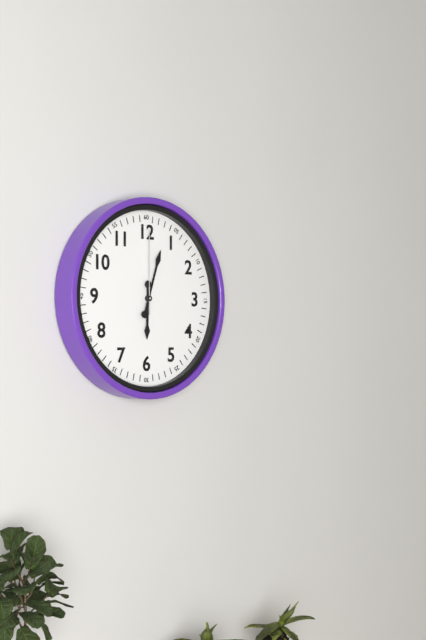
6:03:00
